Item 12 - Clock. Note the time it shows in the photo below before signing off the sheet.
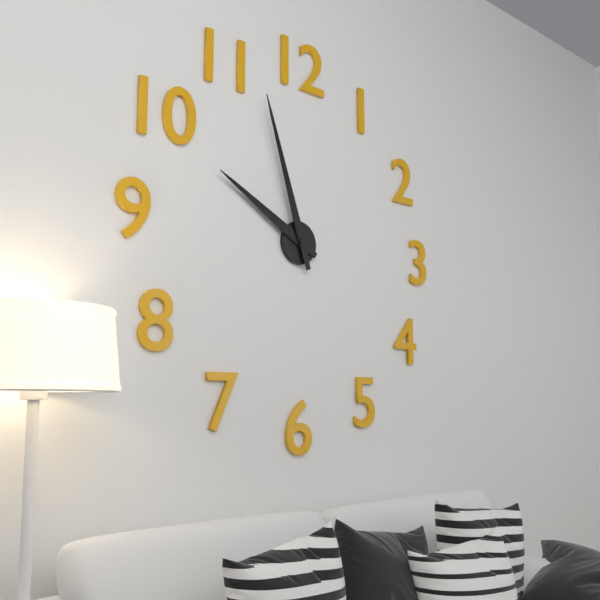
9:57
